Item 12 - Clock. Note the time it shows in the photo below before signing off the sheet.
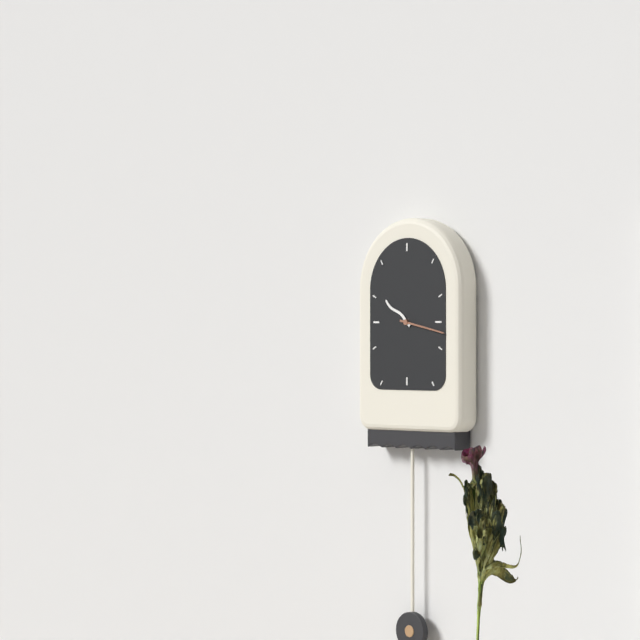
10:17
